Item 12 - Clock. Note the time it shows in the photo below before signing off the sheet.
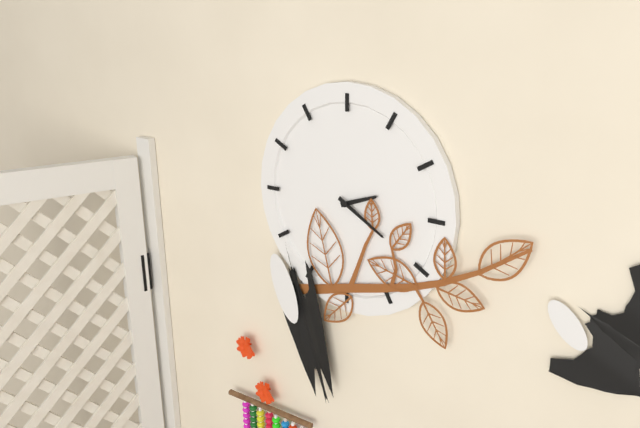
2:20
